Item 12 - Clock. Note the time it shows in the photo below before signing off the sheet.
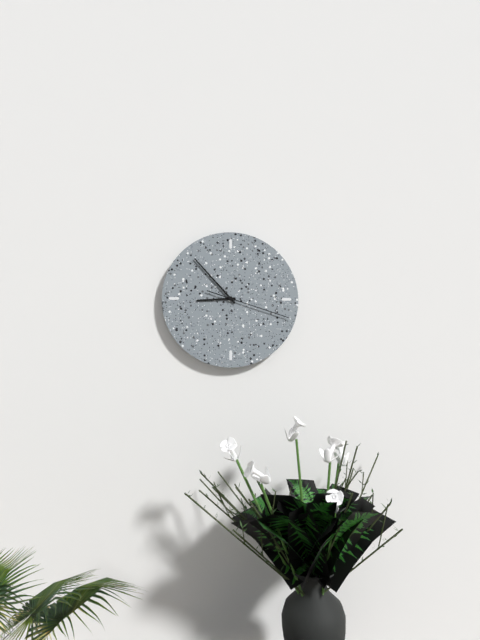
8:53:18
